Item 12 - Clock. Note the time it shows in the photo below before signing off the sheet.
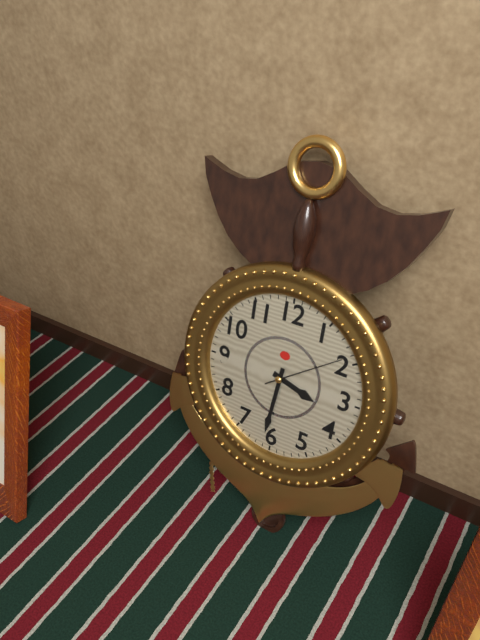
3:31:09
